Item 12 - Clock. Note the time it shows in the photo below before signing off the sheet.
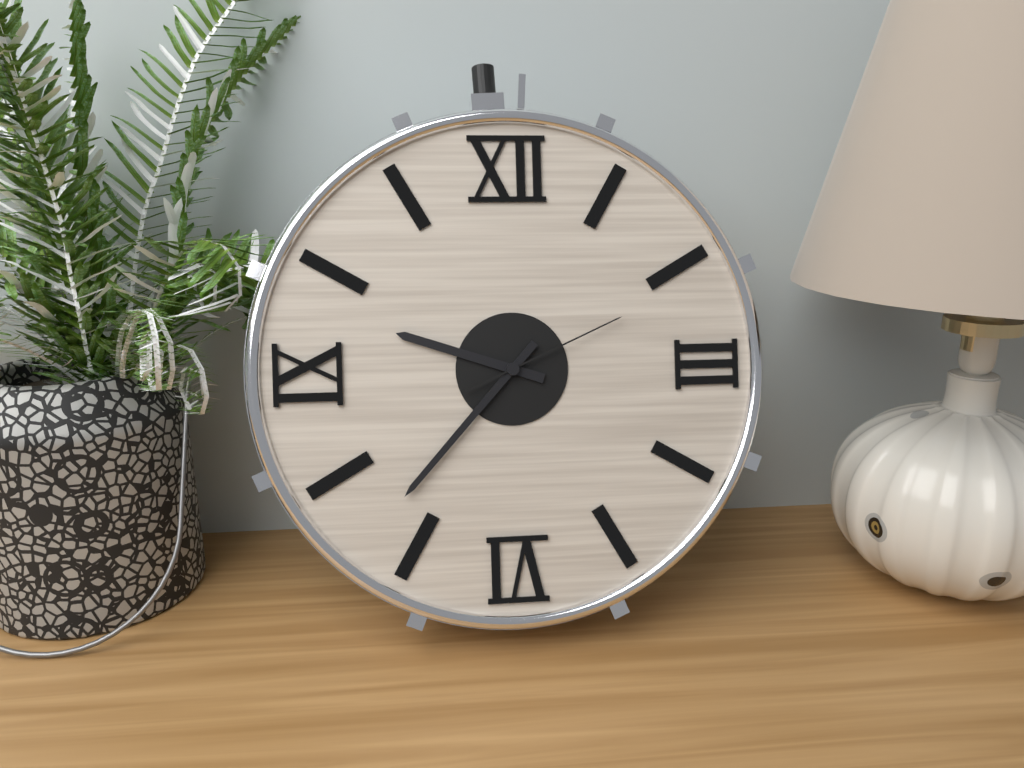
9:37:11
